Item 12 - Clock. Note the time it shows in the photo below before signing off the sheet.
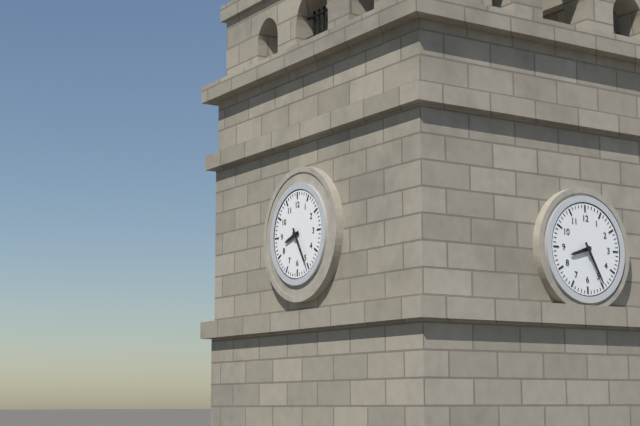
8:25
